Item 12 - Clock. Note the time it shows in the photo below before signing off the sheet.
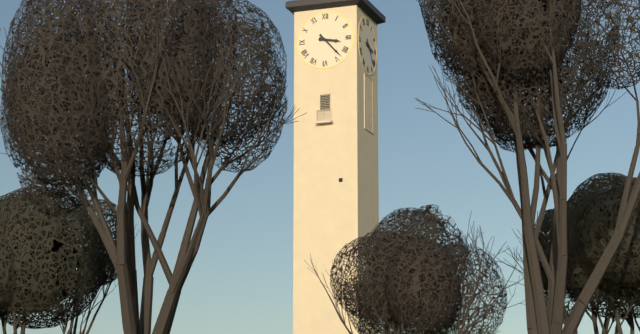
3:23
